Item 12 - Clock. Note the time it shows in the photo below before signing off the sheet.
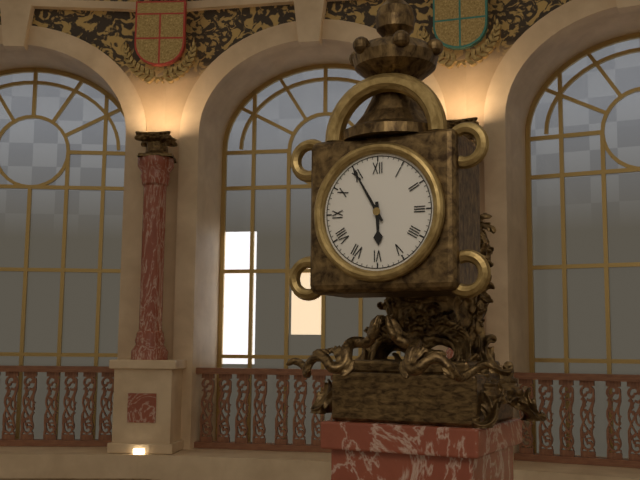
5:55
